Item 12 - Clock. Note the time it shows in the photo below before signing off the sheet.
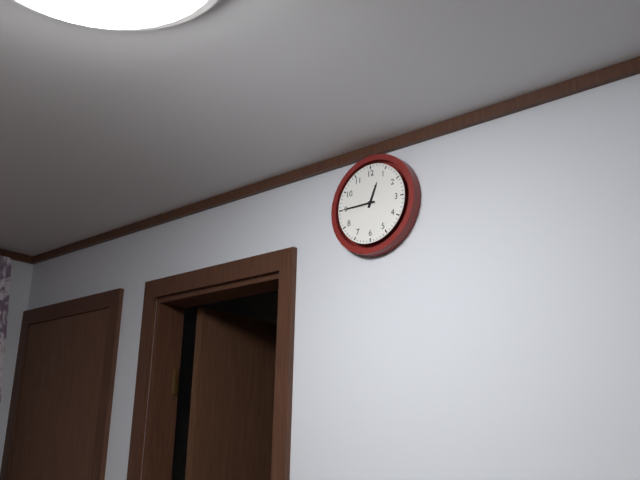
12:45
